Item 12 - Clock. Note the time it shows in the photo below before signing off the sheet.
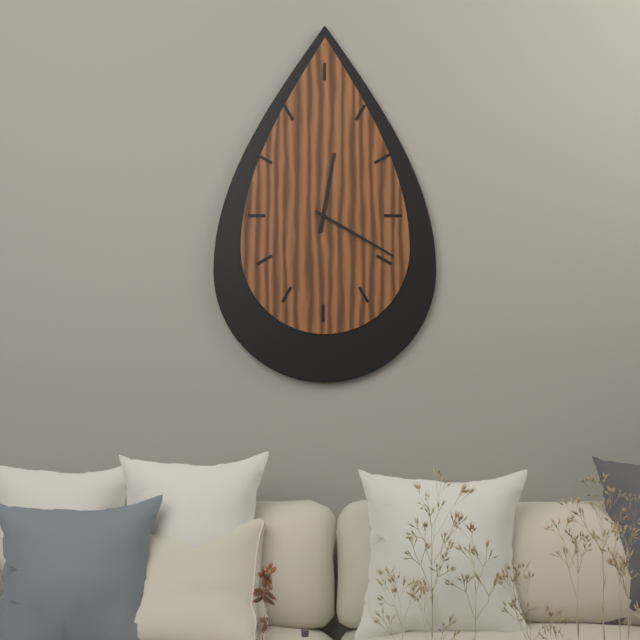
12:20
